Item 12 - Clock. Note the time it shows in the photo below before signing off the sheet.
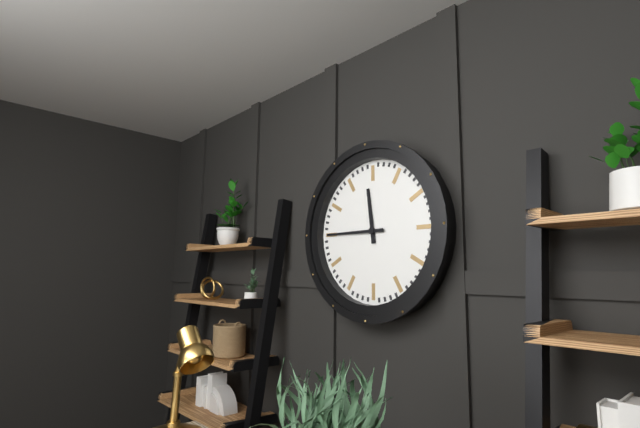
11:45
